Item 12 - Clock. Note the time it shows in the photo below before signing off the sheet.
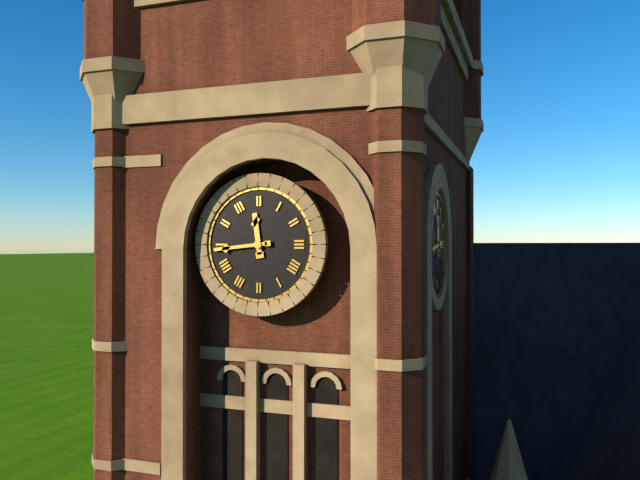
11:44
